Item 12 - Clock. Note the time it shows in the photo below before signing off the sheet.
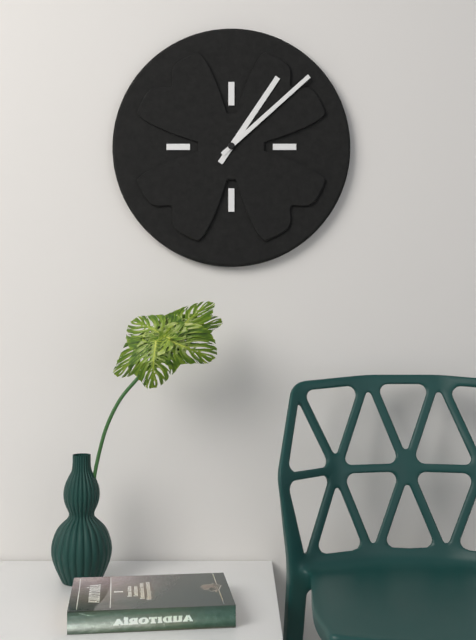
1:08
